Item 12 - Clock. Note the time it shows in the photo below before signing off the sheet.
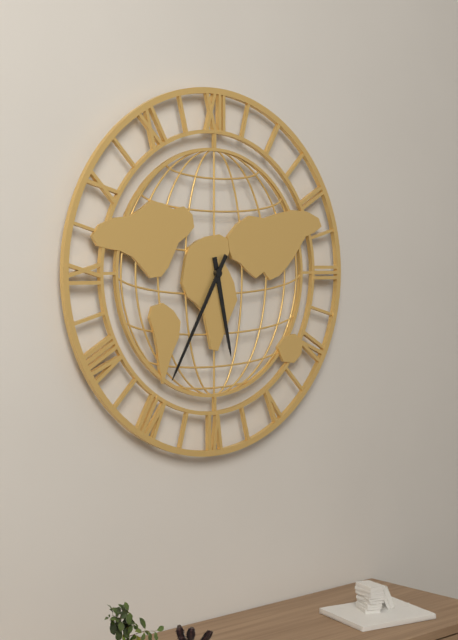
5:35
